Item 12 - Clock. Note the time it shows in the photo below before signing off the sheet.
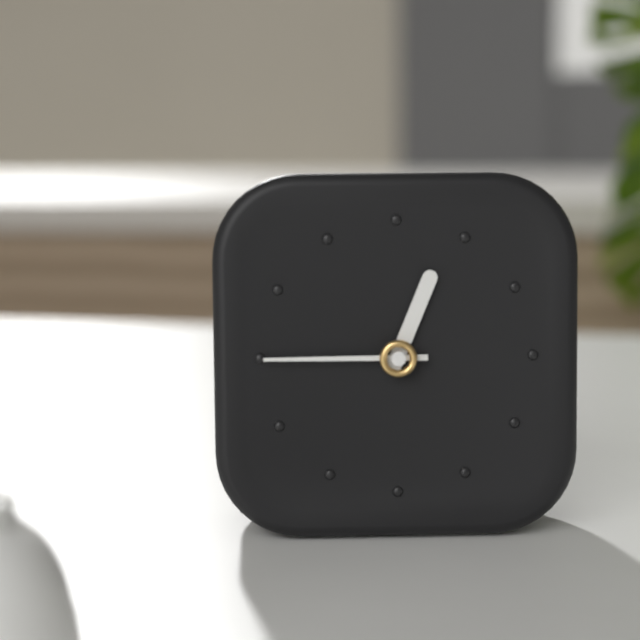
12:45
